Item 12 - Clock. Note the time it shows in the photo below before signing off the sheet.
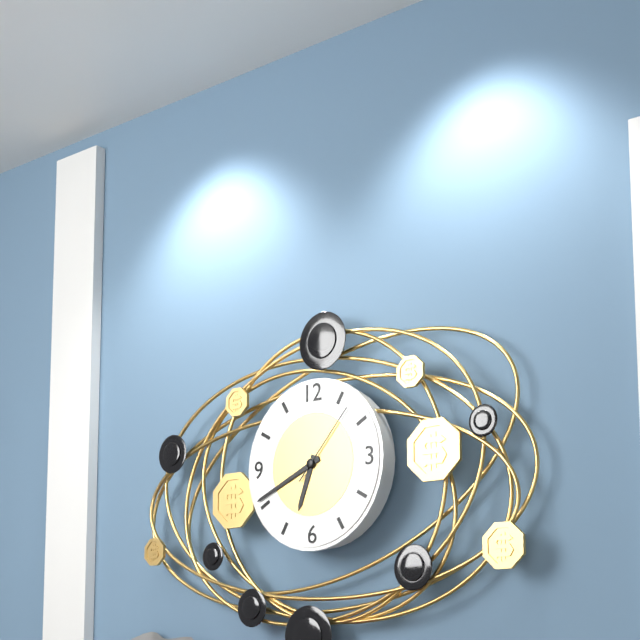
6:41:07
